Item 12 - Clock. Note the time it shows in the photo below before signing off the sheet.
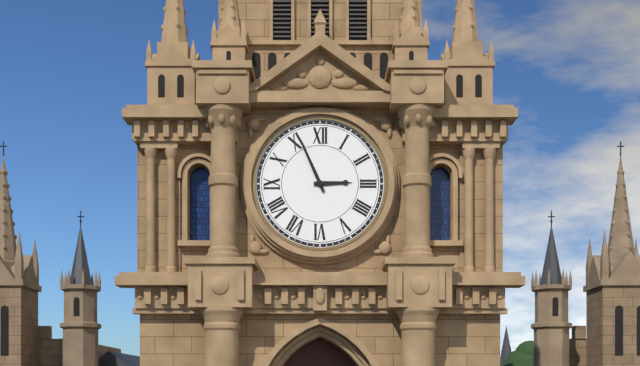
2:56
